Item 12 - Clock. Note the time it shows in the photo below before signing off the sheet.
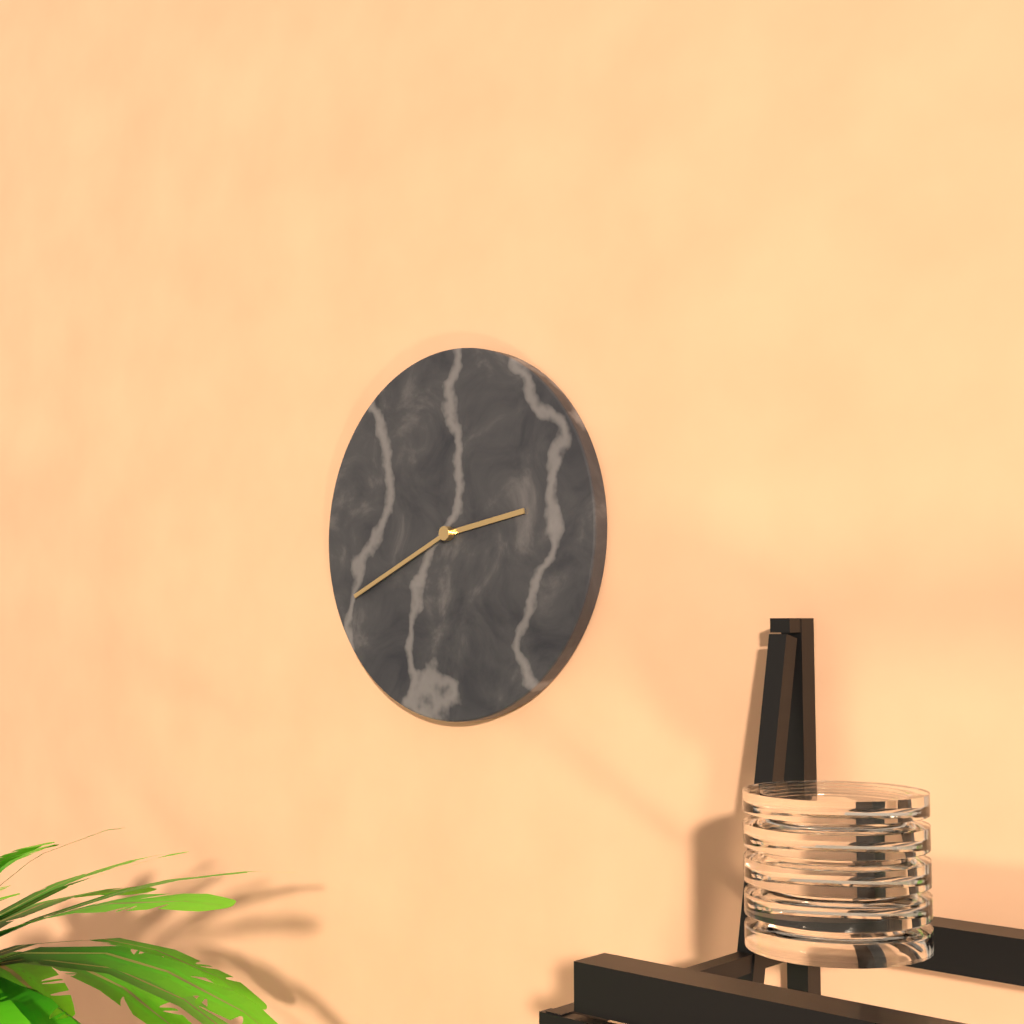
2:41
